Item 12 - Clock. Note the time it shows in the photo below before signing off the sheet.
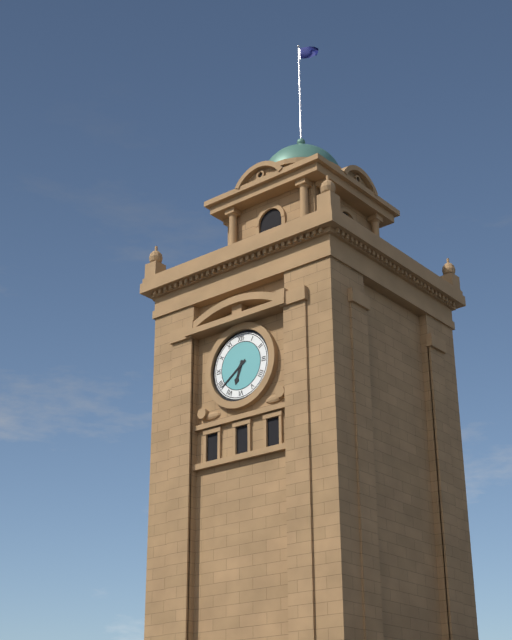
6:39
